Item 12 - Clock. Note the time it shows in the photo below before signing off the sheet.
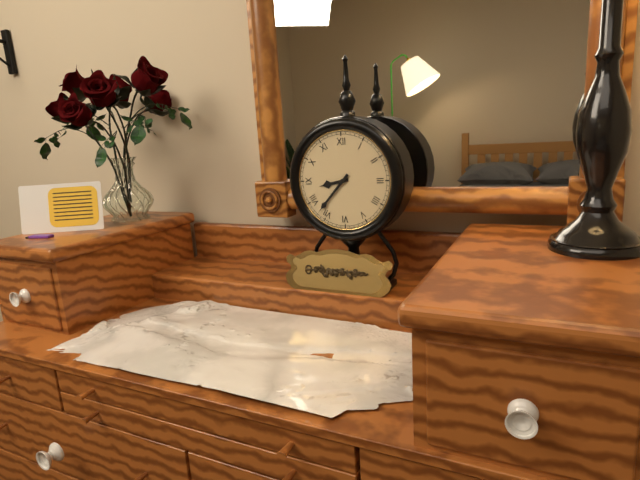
8:37
